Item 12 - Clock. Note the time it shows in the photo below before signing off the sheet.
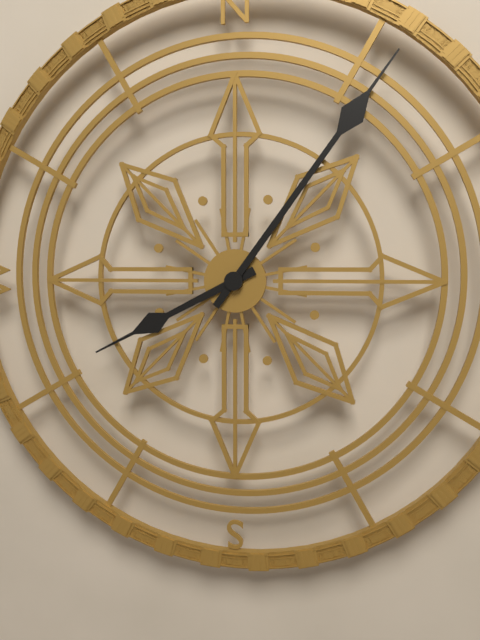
8:06
